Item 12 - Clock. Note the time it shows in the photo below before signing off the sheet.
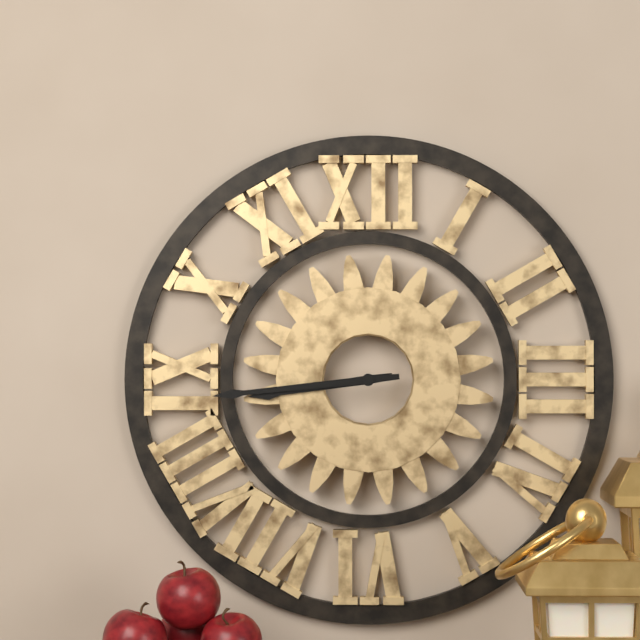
8:44
